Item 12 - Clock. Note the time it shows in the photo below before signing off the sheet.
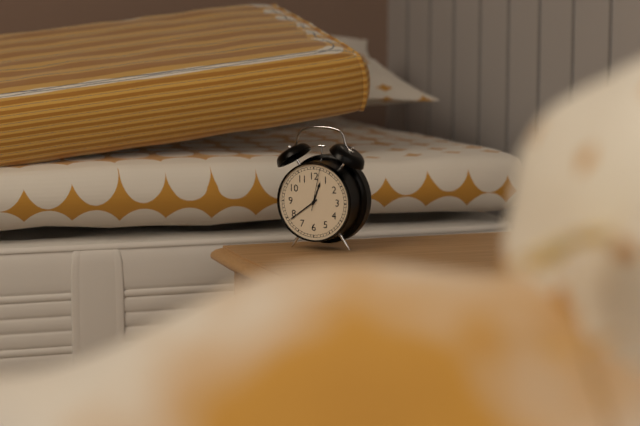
12:39
